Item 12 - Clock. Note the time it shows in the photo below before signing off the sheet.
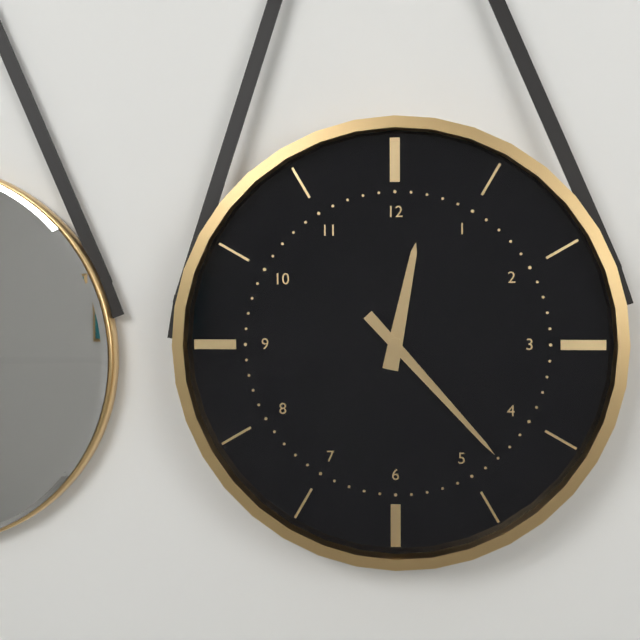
12:23
